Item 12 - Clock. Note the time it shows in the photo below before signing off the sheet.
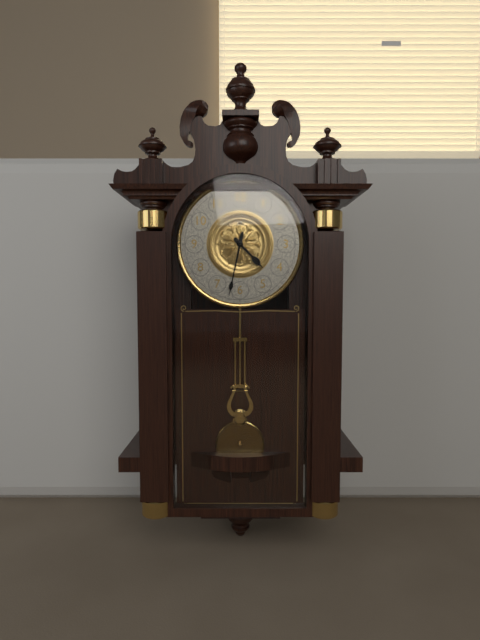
4:32
